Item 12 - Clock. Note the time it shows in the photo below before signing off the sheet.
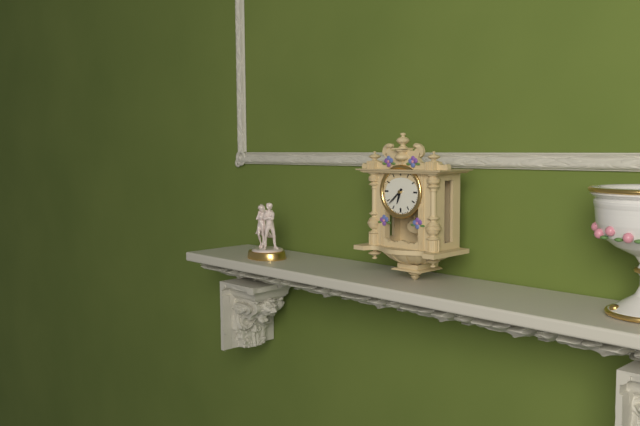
6:38
